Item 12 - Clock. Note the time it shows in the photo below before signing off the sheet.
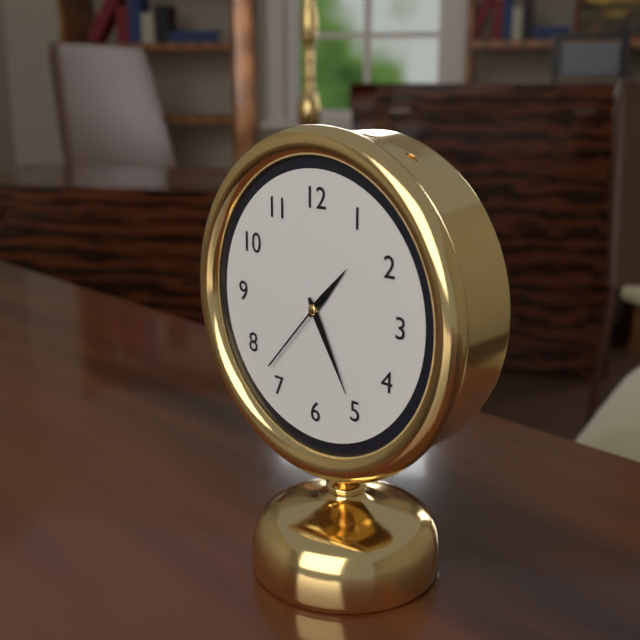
1:25:37
